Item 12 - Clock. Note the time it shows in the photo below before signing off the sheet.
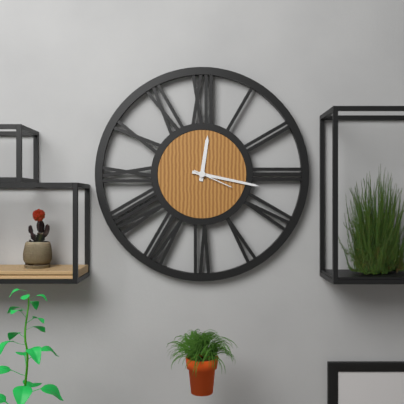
12:17
